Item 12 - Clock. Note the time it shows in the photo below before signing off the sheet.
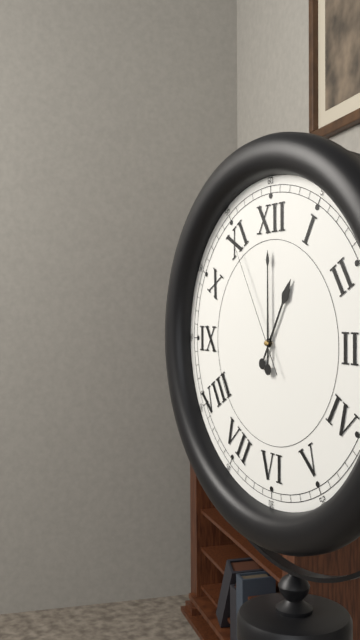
1:00:55
